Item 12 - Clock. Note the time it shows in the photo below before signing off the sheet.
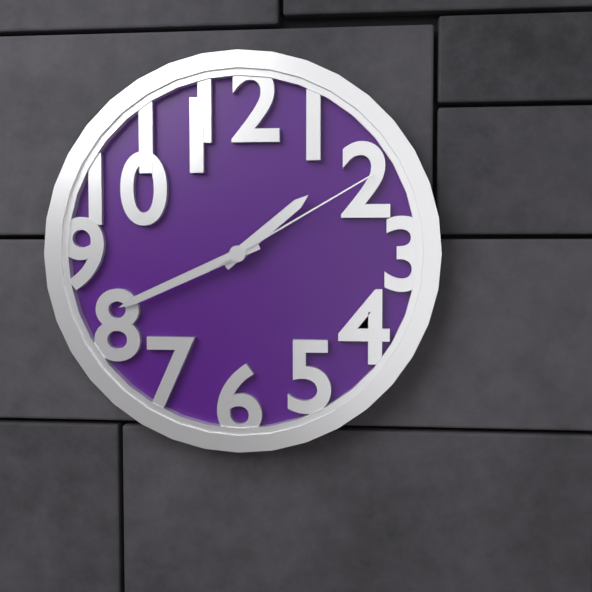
1:41:10
